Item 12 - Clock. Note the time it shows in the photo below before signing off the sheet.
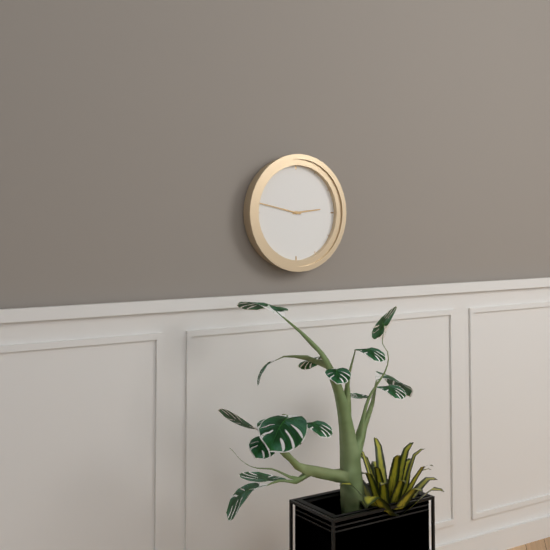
2:47
